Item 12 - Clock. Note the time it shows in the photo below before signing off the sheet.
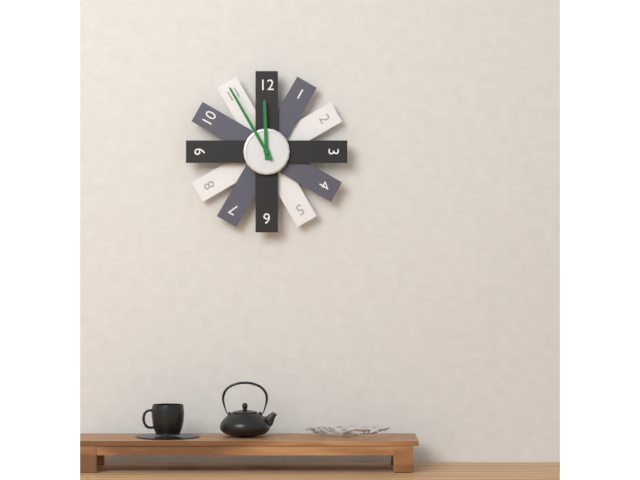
11:55
